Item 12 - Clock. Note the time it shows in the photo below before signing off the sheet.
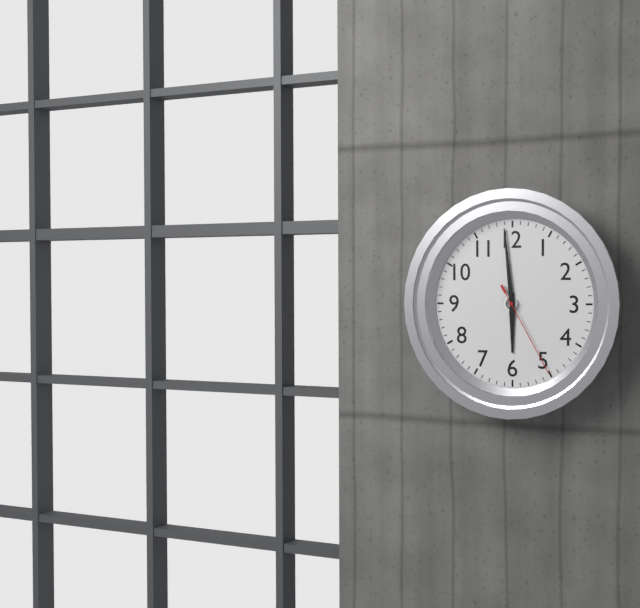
5:59:25
